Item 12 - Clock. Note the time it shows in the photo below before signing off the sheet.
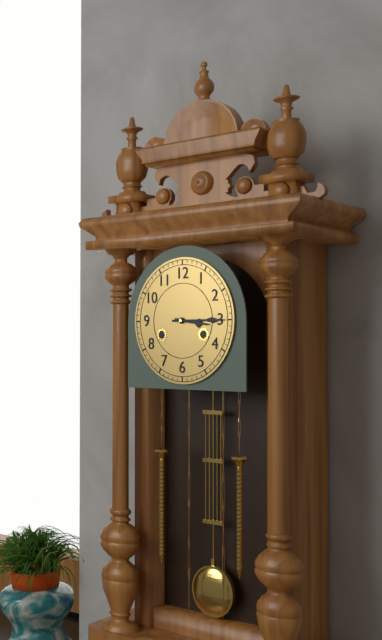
3:15
